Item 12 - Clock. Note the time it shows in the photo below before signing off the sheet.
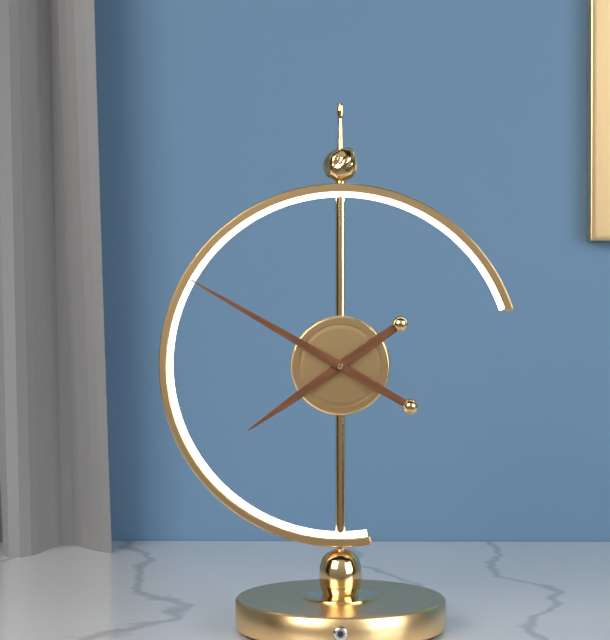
7:50
